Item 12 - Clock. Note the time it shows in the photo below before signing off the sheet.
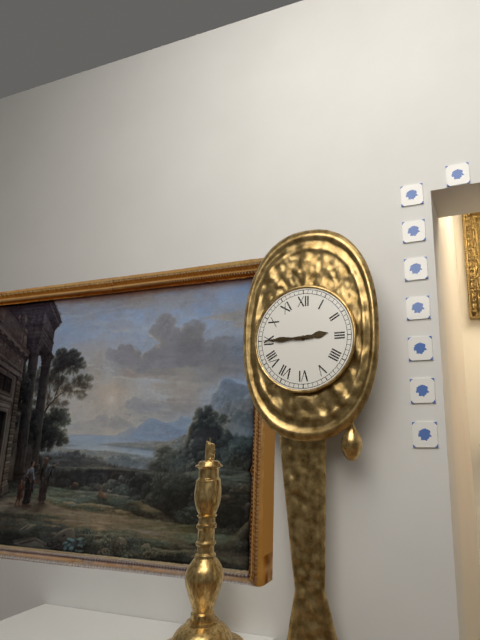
2:45
